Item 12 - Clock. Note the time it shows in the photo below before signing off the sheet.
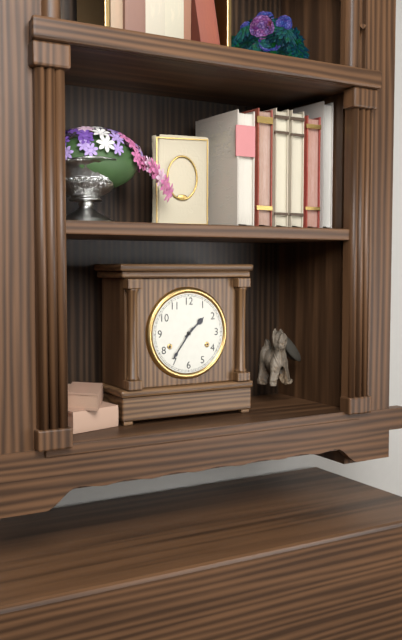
1:36
